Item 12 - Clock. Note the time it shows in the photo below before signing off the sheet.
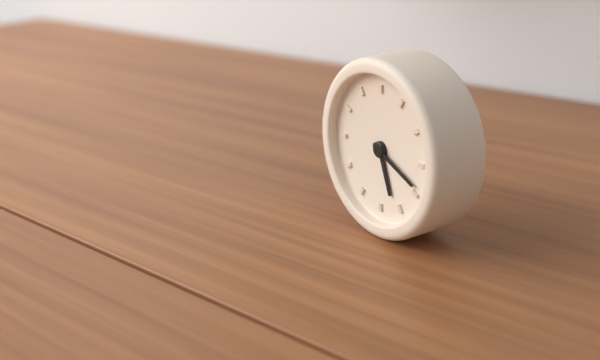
5:19
